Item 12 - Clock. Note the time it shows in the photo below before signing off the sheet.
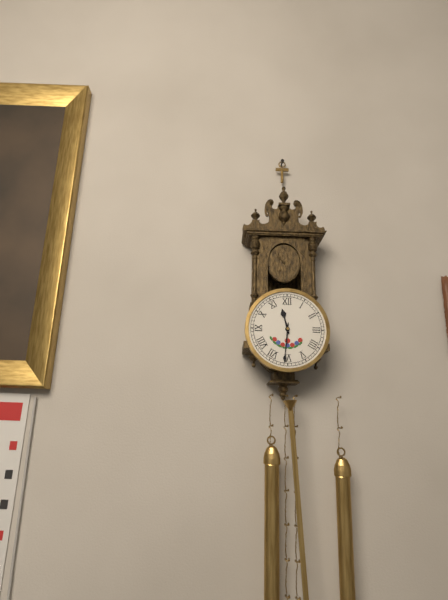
11:31
